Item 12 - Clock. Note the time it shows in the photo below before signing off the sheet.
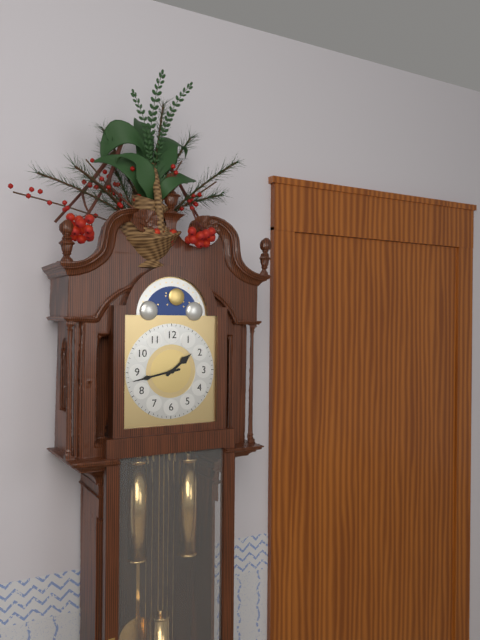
1:43
